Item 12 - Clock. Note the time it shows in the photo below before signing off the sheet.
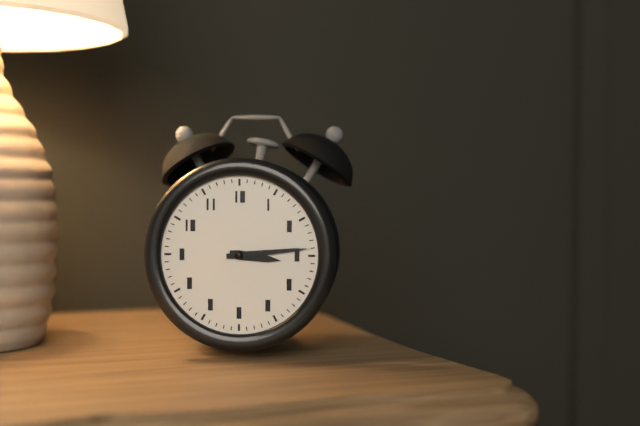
3:14
